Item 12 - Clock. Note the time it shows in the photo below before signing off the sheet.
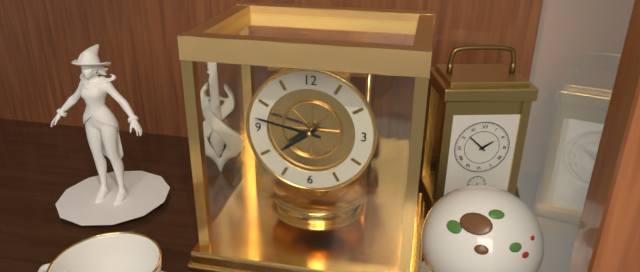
7:47
